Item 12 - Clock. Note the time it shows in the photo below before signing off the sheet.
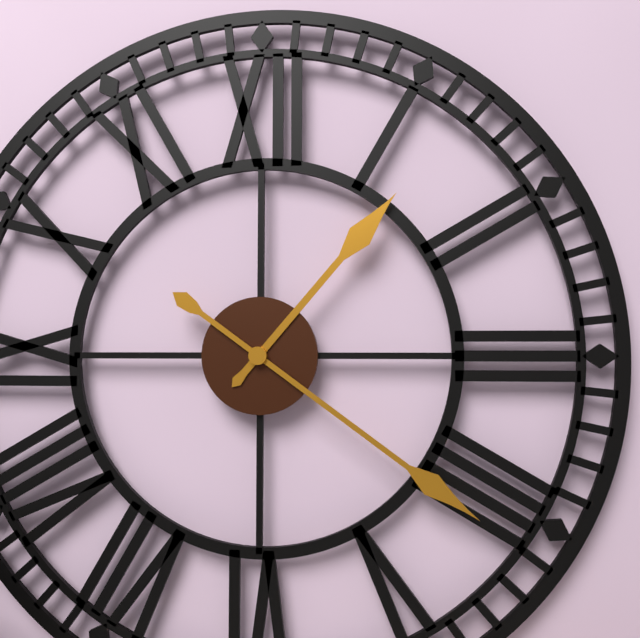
1:21
